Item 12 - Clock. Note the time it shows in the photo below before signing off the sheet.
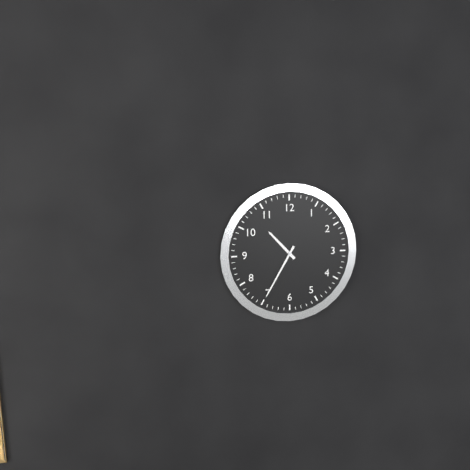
10:35
